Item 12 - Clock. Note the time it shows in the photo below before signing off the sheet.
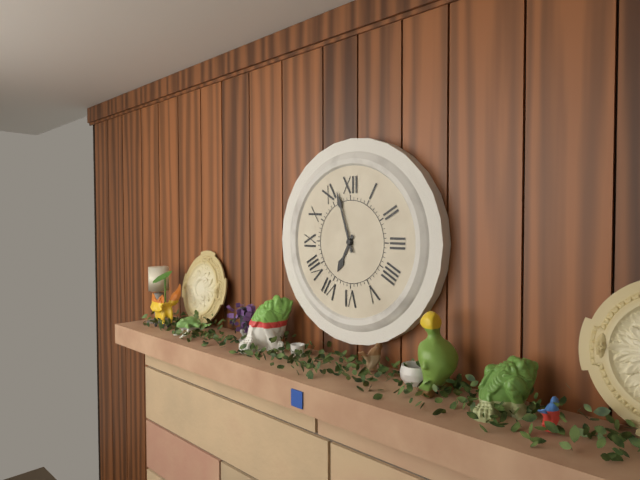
6:57
